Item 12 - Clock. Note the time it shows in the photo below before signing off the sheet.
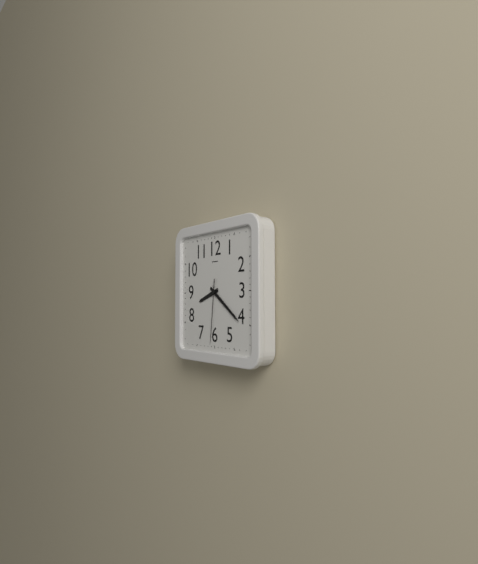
8:21:31
